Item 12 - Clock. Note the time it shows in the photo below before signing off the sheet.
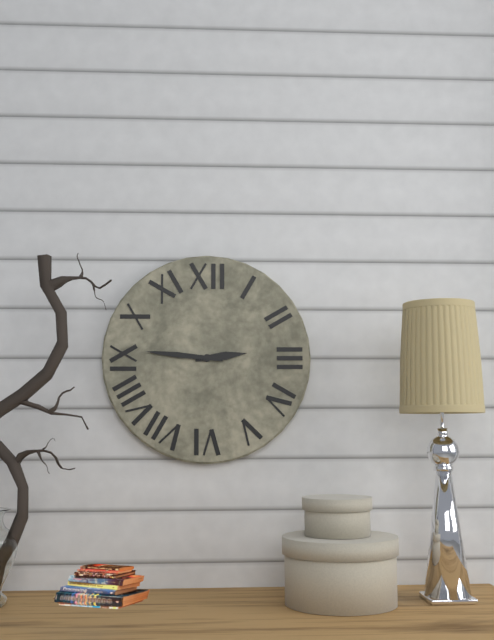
2:46
